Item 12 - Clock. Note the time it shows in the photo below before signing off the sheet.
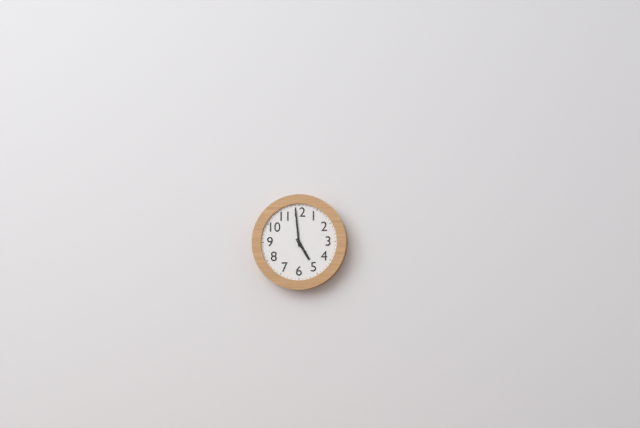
4:59
